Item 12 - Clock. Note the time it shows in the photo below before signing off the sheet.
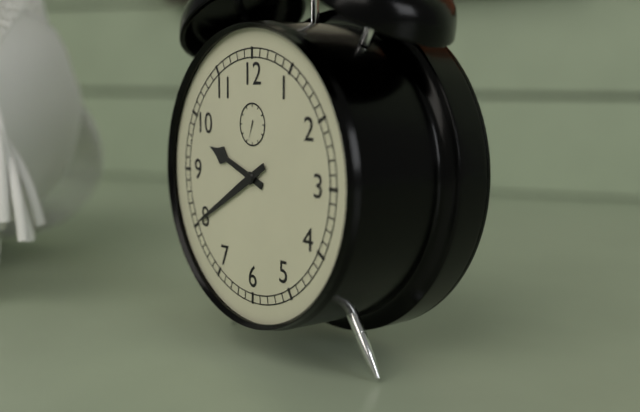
9:40
